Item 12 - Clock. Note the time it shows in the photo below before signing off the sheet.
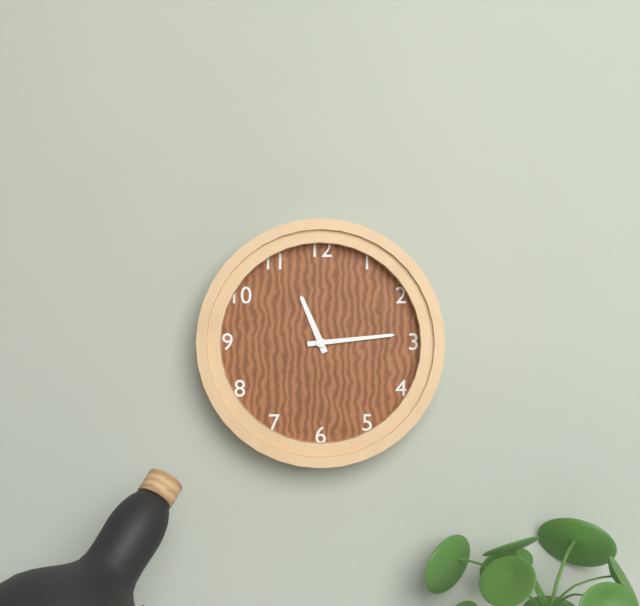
11:14
